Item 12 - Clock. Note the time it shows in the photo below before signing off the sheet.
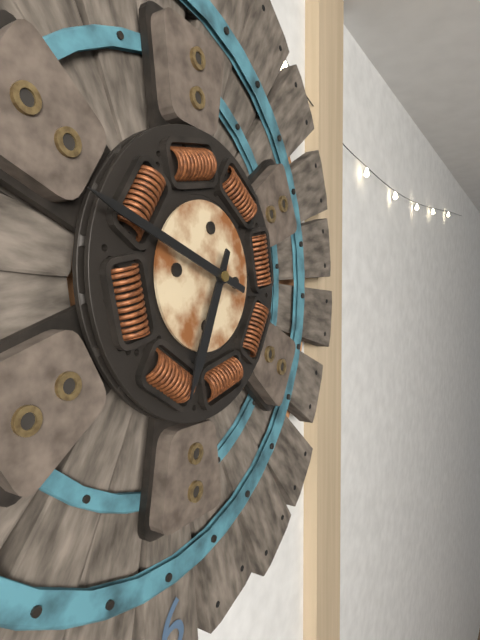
6:48
